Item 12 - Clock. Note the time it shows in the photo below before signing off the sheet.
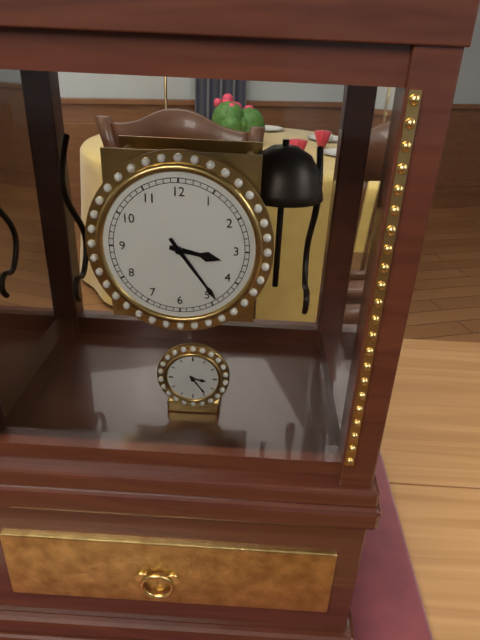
3:24
